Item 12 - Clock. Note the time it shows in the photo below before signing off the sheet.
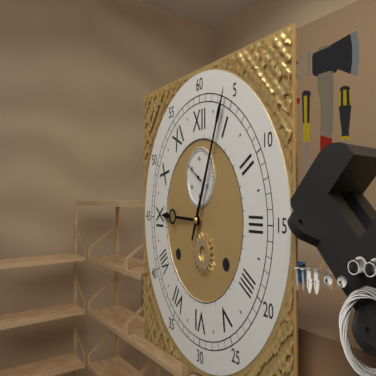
9:04
